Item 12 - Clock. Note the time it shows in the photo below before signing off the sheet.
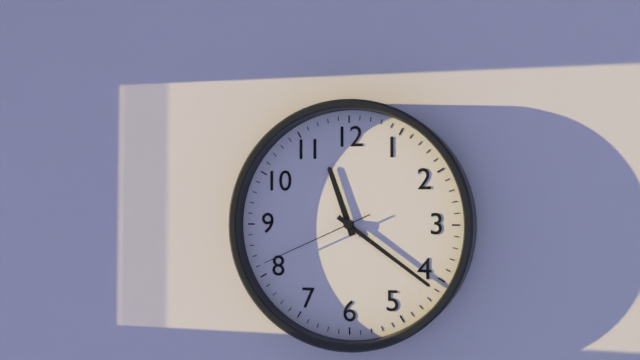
11:21:41
